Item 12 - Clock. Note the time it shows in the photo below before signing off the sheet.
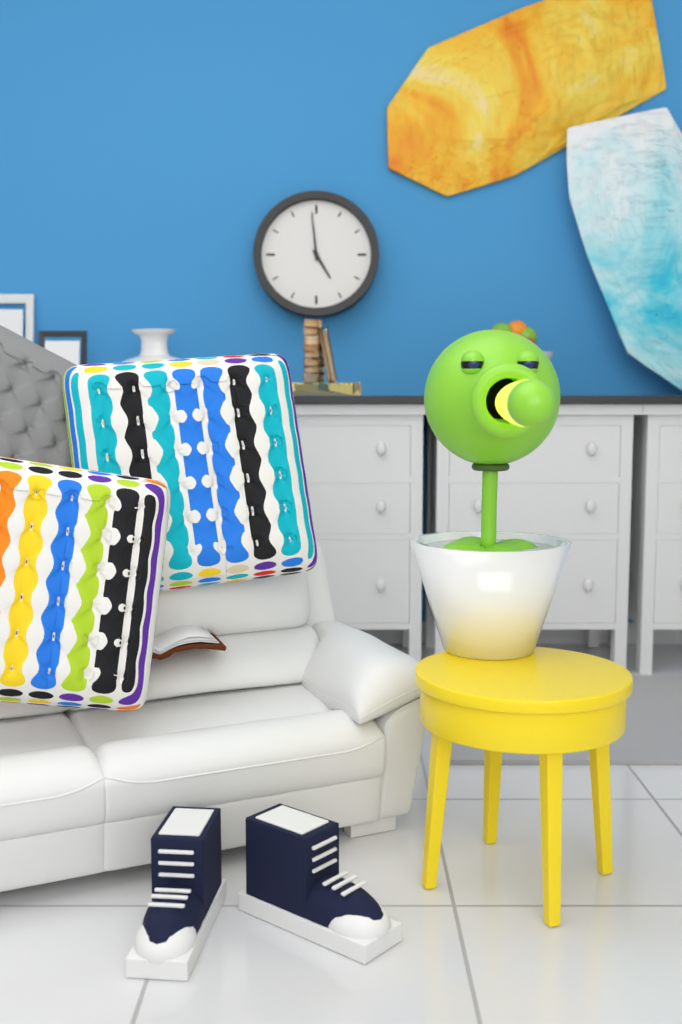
4:59
